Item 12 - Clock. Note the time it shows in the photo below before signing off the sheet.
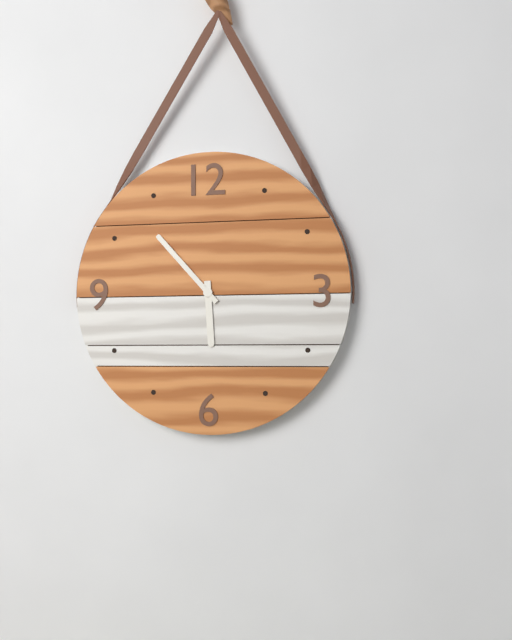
5:53
